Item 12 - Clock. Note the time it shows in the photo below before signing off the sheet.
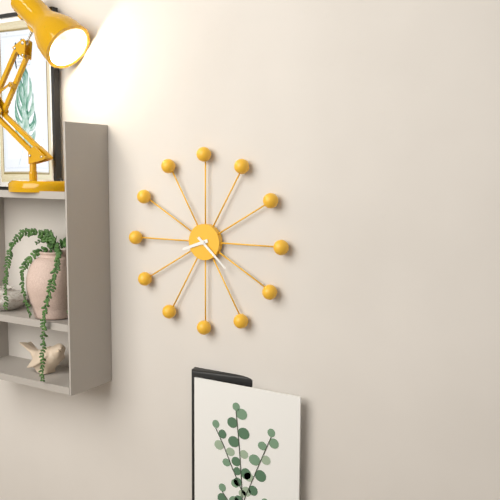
8:22
